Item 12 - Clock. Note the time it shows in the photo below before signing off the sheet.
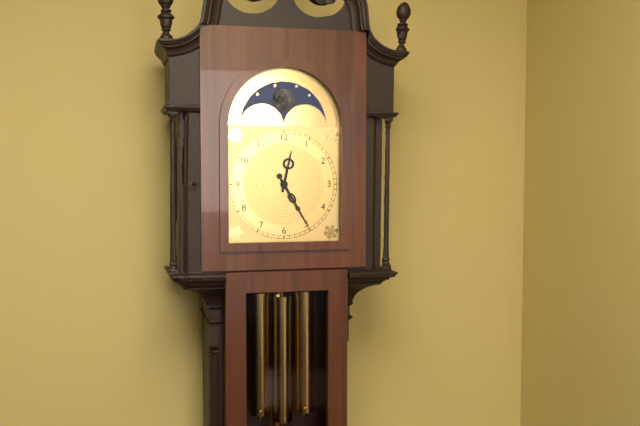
12:25
